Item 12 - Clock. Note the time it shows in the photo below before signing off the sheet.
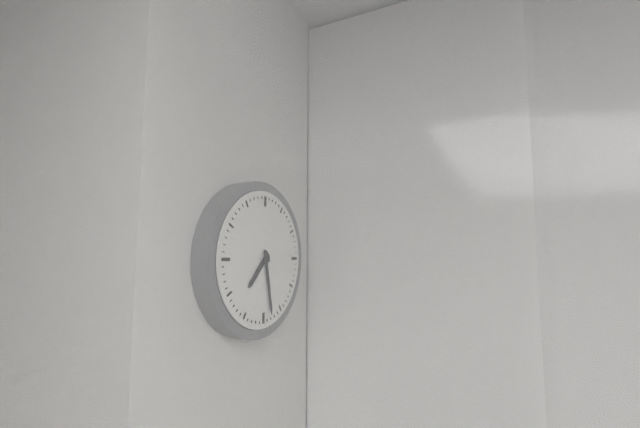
7:28
